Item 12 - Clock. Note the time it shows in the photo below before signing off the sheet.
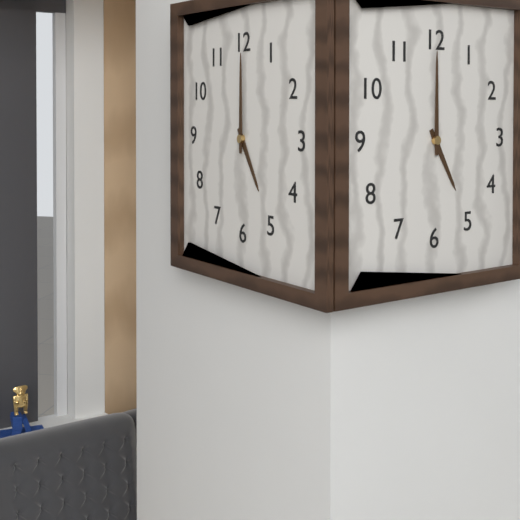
5:00
